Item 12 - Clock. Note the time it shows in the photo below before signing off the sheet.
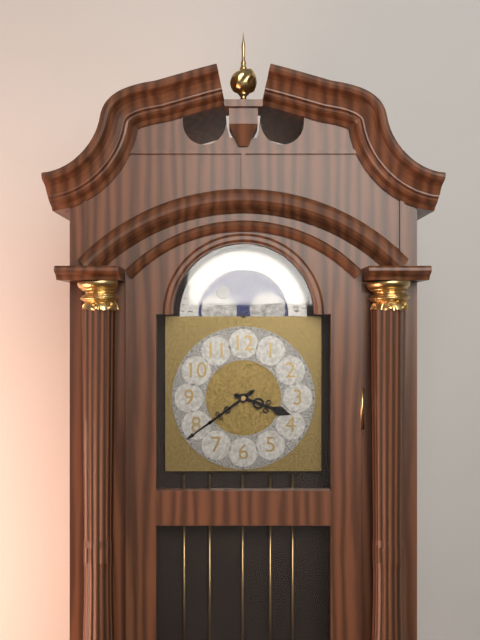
3:39
